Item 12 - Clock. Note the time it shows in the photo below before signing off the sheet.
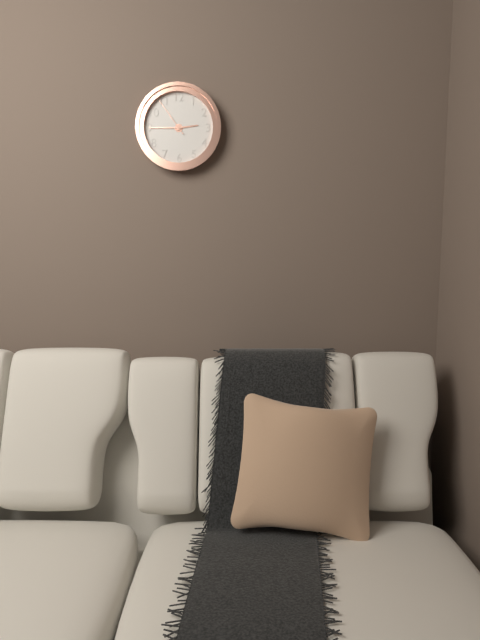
2:45
